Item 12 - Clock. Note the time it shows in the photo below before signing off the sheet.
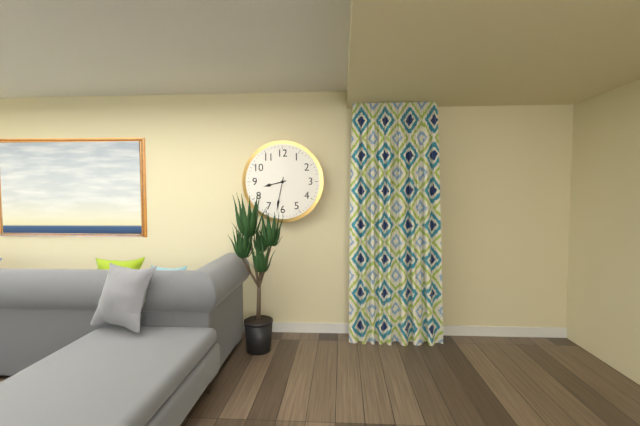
8:32
